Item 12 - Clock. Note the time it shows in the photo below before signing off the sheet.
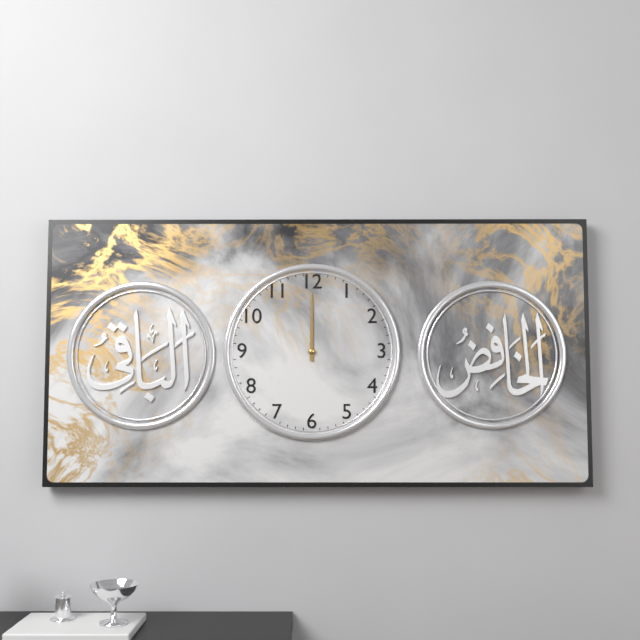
12:00
